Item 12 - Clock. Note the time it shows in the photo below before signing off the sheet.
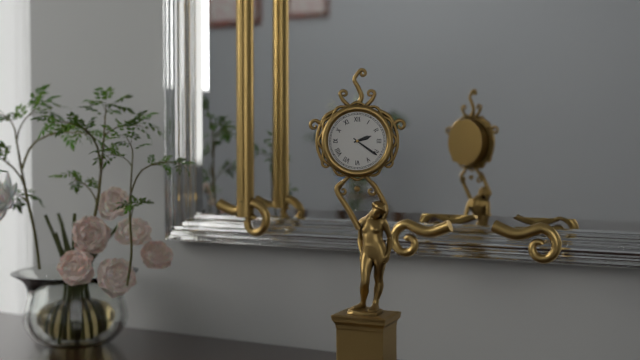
2:21
